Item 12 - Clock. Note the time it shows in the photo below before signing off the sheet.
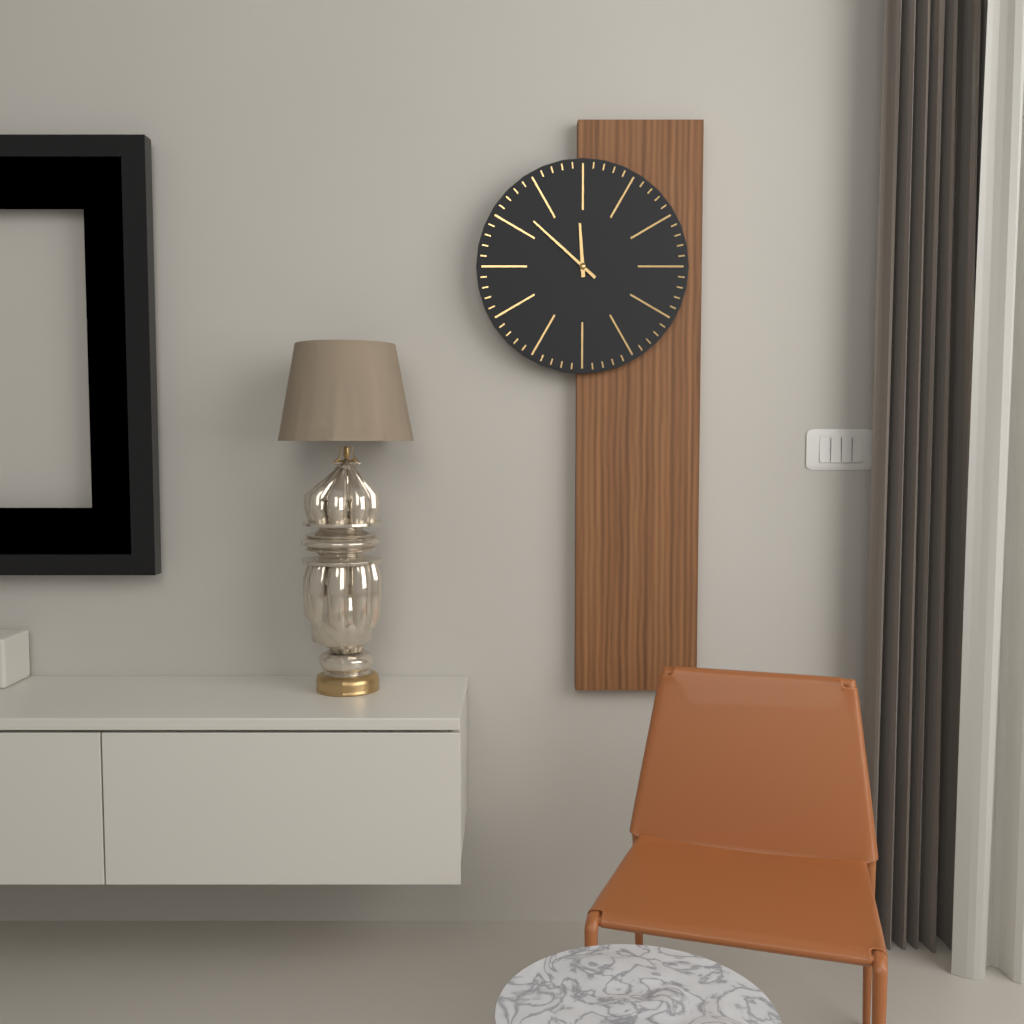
11:52
